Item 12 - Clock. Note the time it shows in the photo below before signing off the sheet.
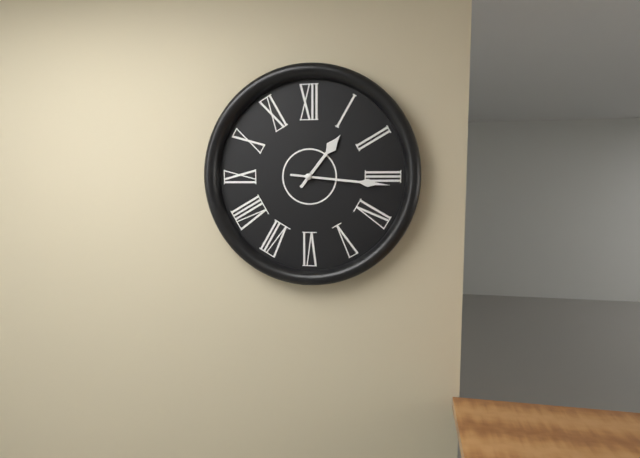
1:16
